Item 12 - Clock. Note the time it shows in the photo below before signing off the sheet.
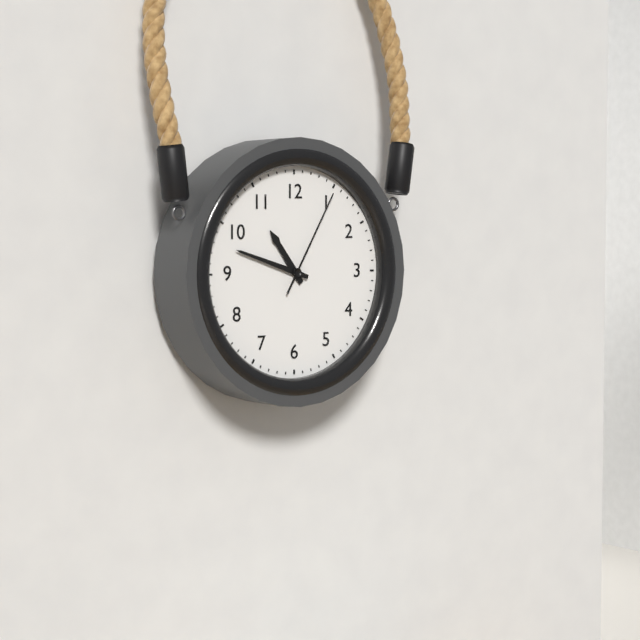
10:48:05
